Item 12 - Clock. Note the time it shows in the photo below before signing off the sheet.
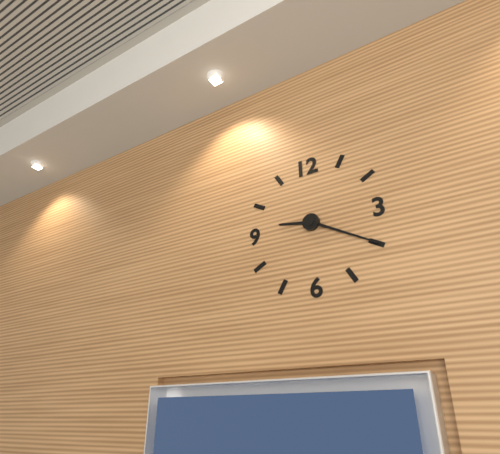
9:20
